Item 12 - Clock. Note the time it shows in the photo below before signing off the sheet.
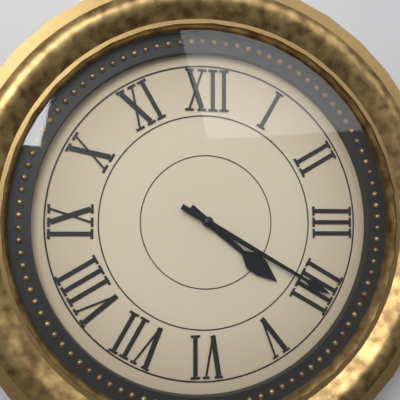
4:20
